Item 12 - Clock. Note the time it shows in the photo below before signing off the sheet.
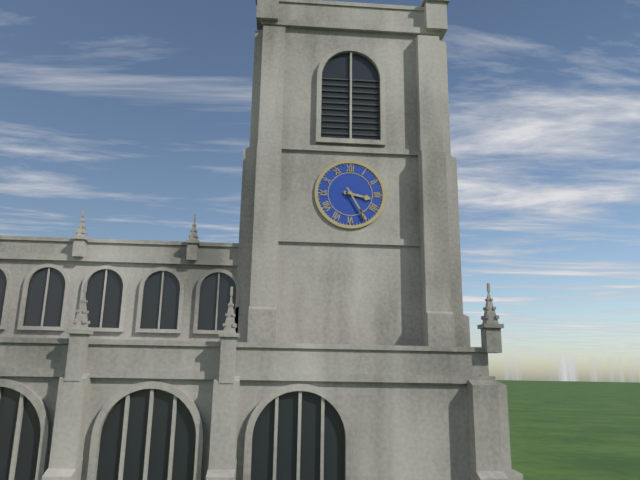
3:25
